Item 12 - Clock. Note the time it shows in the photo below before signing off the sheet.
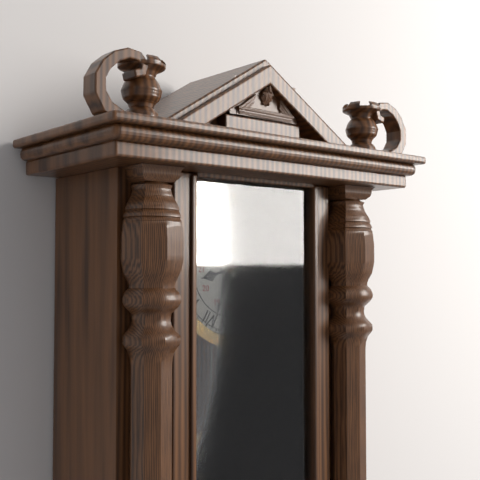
8:34
